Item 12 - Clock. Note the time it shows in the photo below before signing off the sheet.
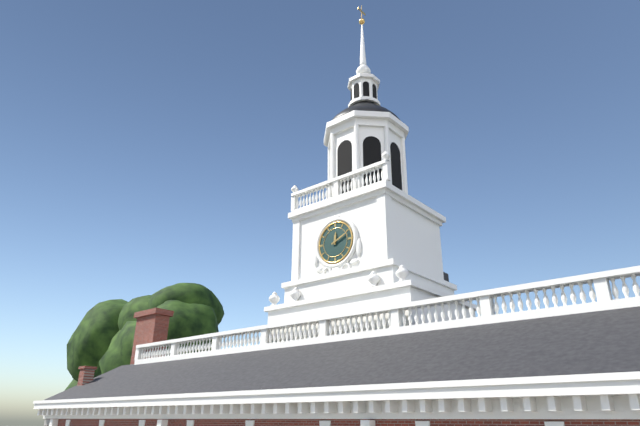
12:11
